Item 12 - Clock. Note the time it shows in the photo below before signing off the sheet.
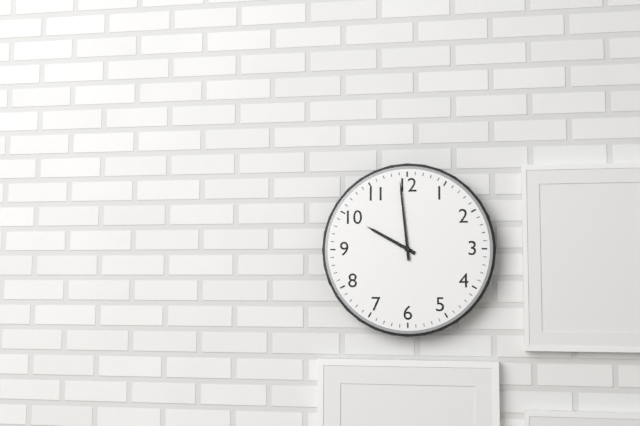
9:59
